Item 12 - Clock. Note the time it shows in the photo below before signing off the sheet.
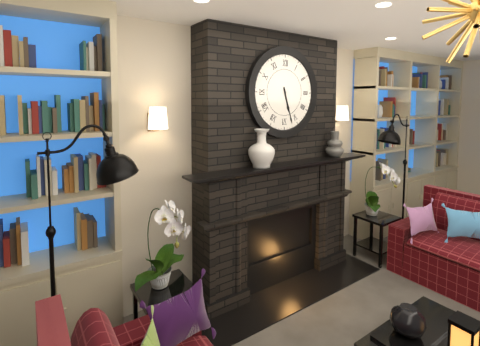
5:27
